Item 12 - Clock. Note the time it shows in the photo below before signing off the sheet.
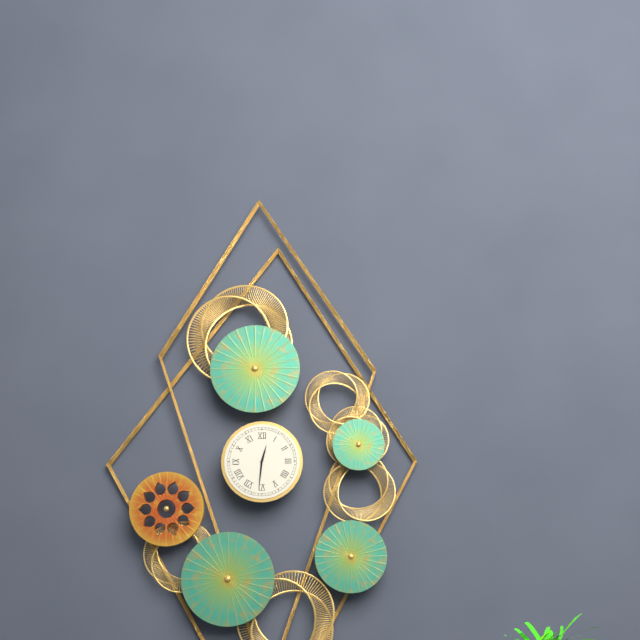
12:31
